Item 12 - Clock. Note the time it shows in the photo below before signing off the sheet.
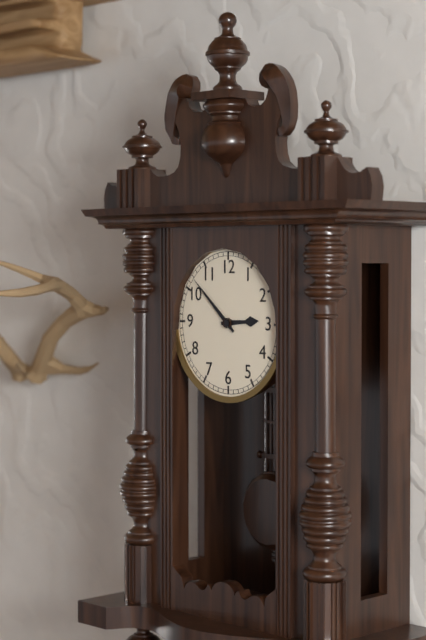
2:52
